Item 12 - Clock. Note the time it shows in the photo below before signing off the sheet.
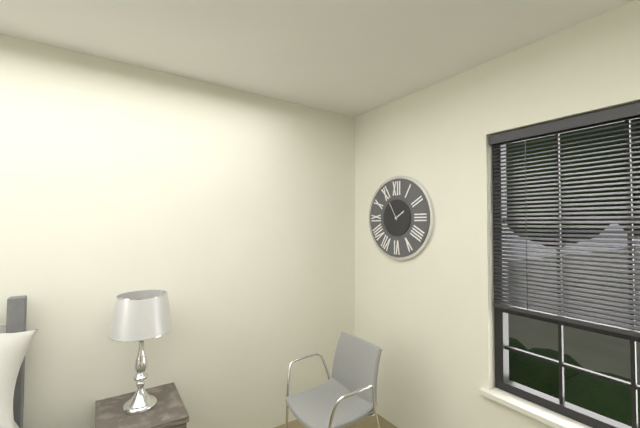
1:55
